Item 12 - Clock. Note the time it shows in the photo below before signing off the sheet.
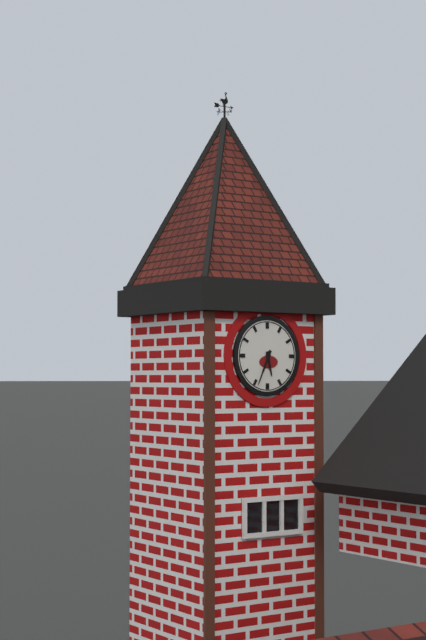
5:34
